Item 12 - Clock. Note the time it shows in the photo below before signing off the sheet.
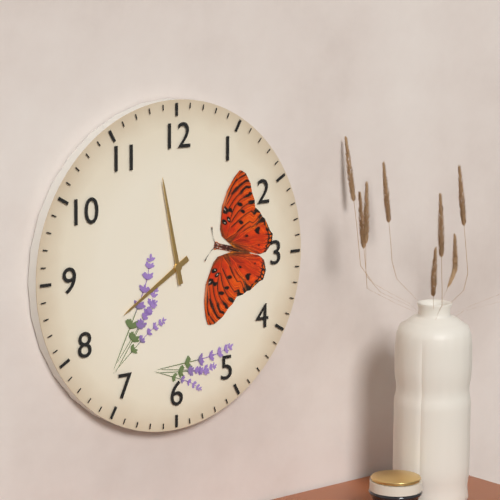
7:58
